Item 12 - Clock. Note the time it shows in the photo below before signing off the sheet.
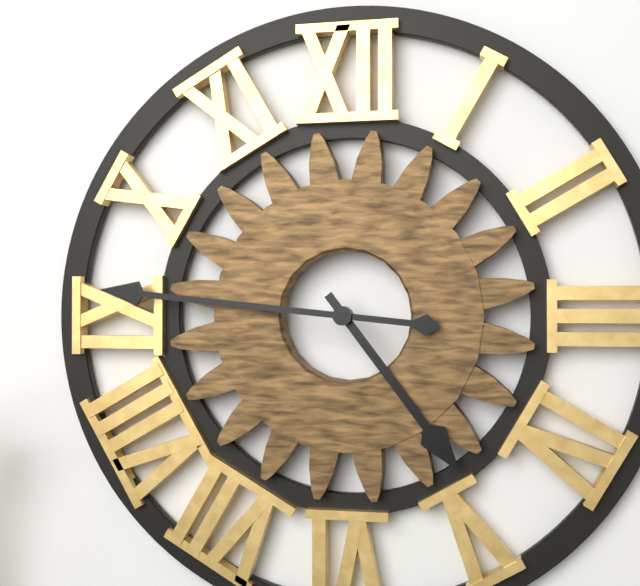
4:46
